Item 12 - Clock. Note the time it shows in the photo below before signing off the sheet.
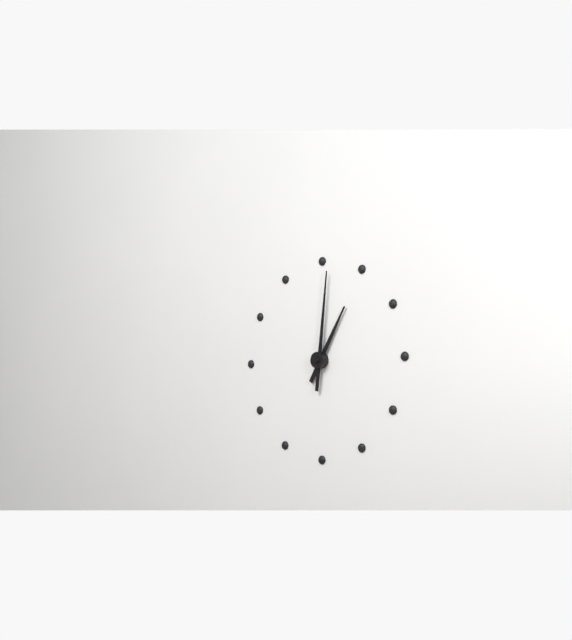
1:01
